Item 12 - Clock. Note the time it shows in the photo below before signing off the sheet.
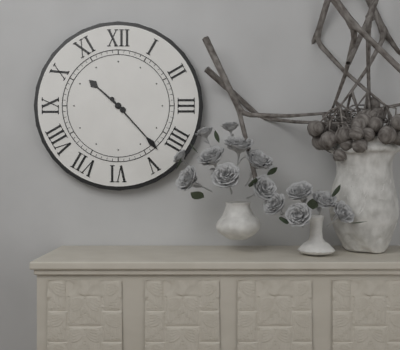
10:23
